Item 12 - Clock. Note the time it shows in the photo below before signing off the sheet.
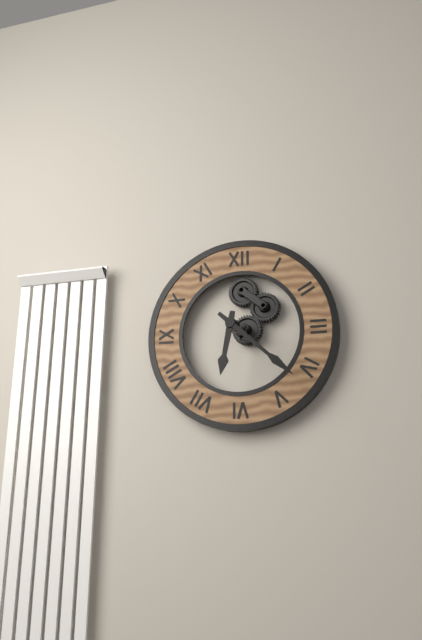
6:22
